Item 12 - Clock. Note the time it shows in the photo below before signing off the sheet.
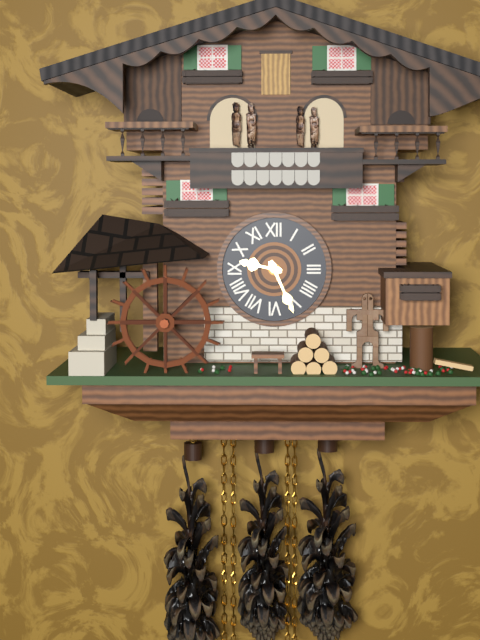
9:26
